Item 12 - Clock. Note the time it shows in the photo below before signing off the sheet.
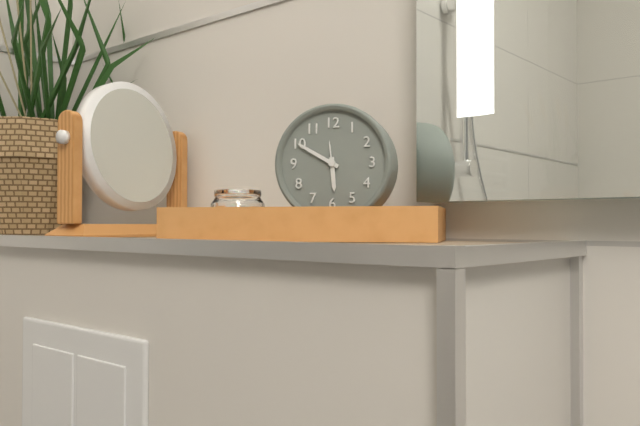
5:50
